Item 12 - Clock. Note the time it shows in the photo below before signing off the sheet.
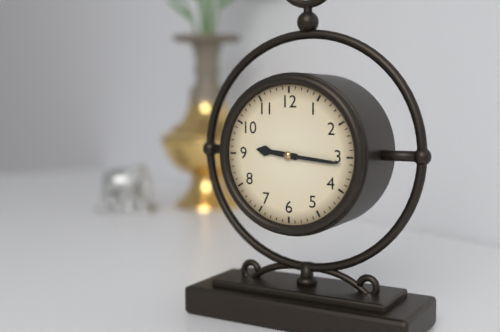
9:16
